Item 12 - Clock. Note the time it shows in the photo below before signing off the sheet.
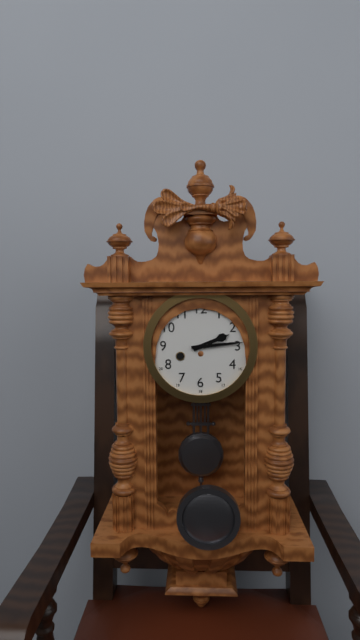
2:14
